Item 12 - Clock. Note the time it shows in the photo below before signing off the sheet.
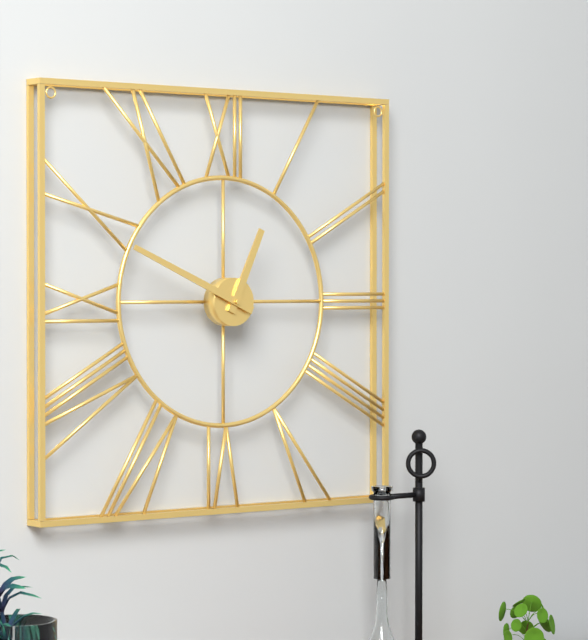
12:49
